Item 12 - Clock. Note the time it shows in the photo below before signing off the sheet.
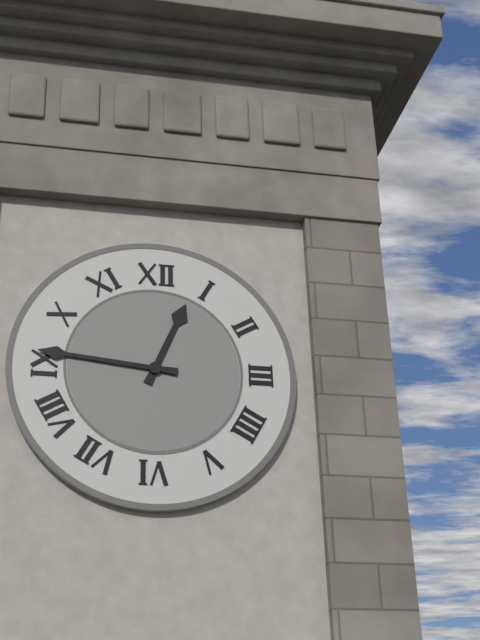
12:46
